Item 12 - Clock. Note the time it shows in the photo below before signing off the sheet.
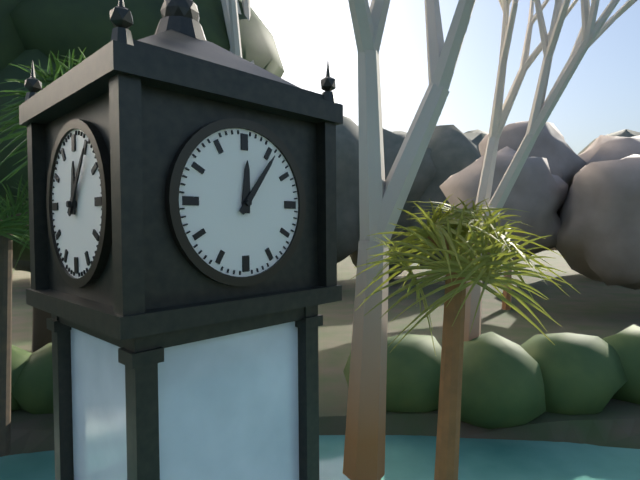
12:06
